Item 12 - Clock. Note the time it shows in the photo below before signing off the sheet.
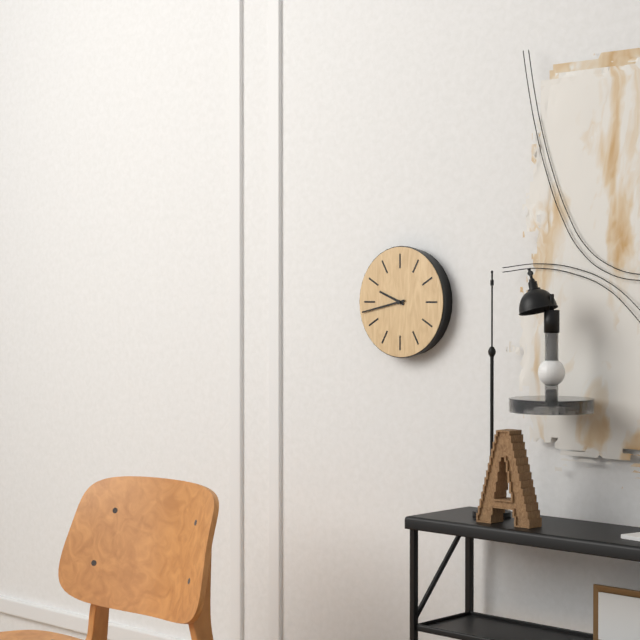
9:43
